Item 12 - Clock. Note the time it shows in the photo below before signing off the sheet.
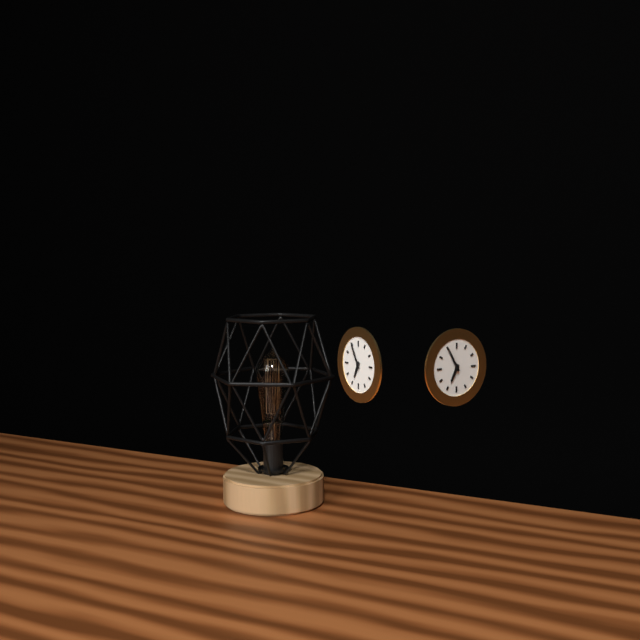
6:55
